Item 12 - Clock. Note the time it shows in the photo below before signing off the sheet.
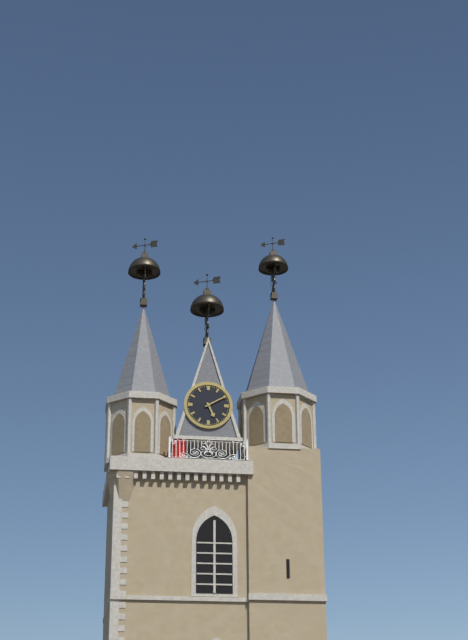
5:10
